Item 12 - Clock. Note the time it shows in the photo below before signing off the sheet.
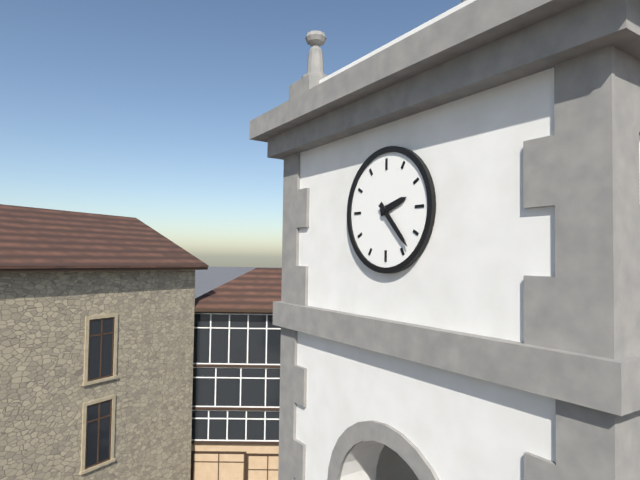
2:23
